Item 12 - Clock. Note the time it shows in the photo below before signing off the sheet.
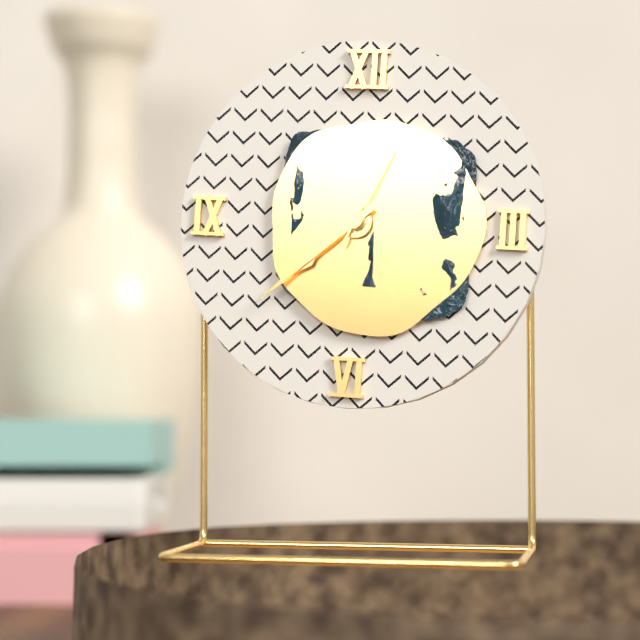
7:38:04
